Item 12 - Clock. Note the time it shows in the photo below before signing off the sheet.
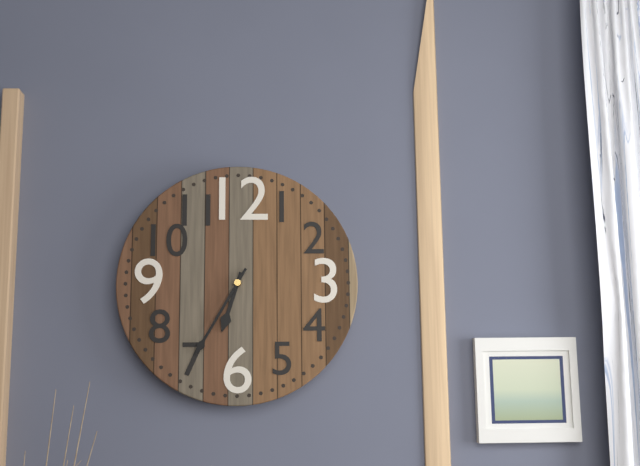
6:35
